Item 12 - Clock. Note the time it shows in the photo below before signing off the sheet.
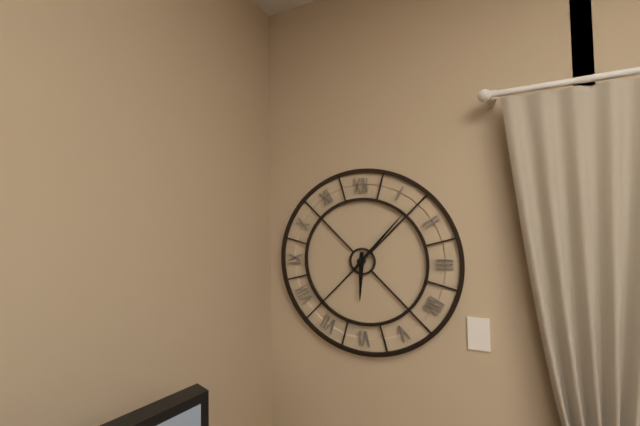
6:07
